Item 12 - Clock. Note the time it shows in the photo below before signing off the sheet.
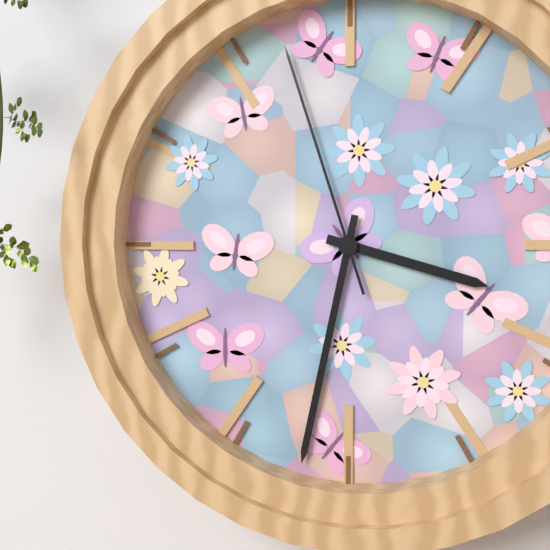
3:32:57
